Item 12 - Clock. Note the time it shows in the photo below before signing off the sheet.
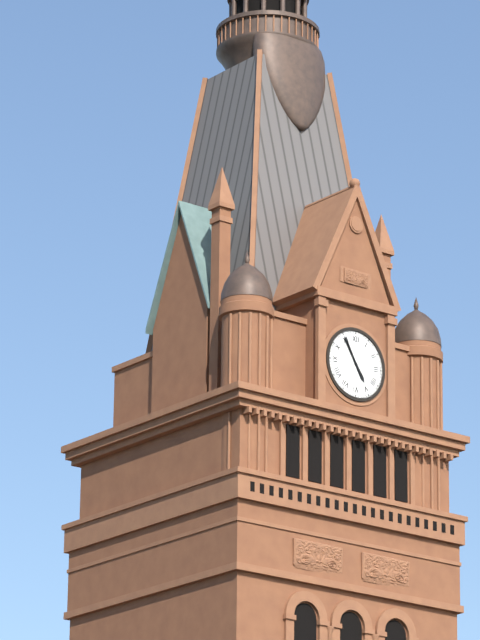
4:55
